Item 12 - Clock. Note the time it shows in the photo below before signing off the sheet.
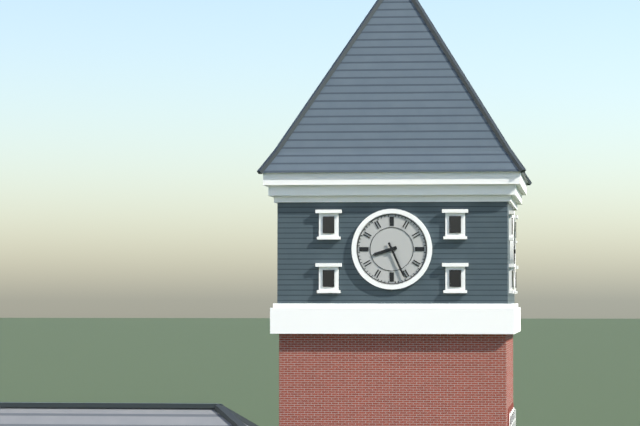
8:26
